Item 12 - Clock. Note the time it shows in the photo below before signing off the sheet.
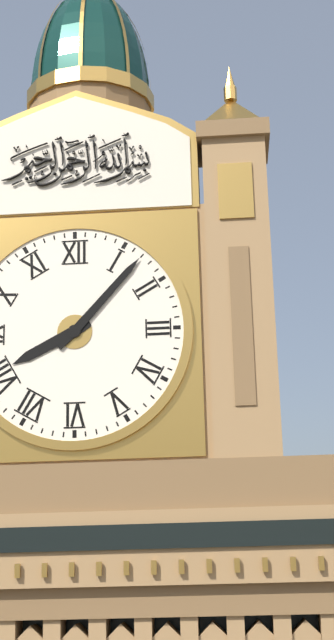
8:07
